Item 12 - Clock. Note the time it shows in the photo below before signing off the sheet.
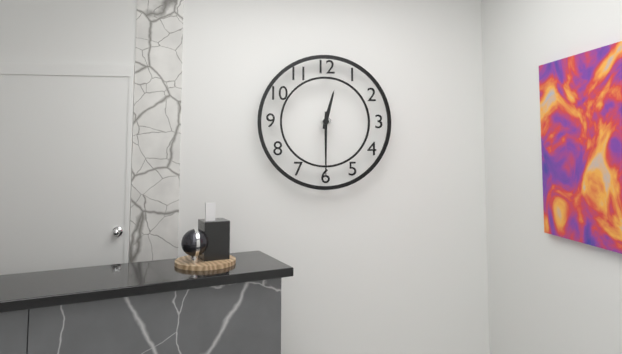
12:30
